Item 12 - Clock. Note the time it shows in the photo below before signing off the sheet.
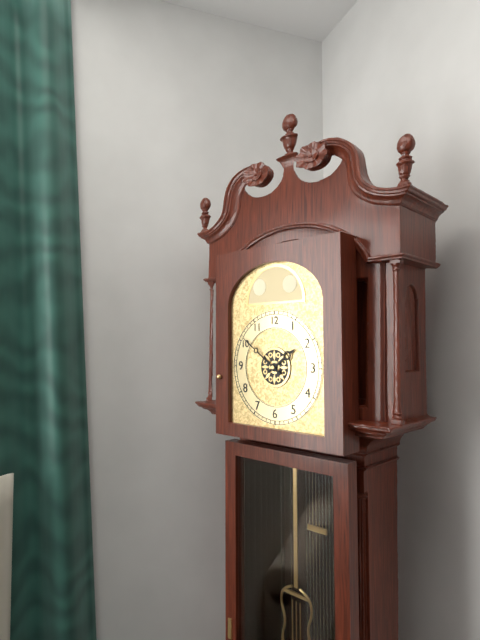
1:51
